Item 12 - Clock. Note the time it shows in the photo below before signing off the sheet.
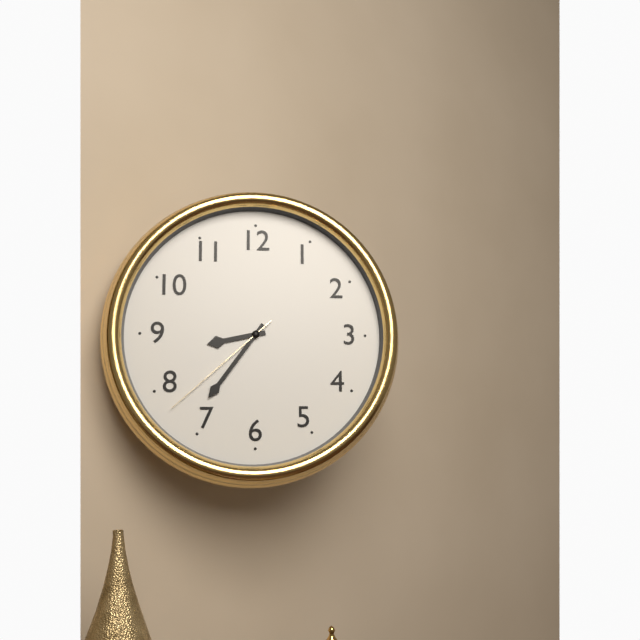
8:36:38
